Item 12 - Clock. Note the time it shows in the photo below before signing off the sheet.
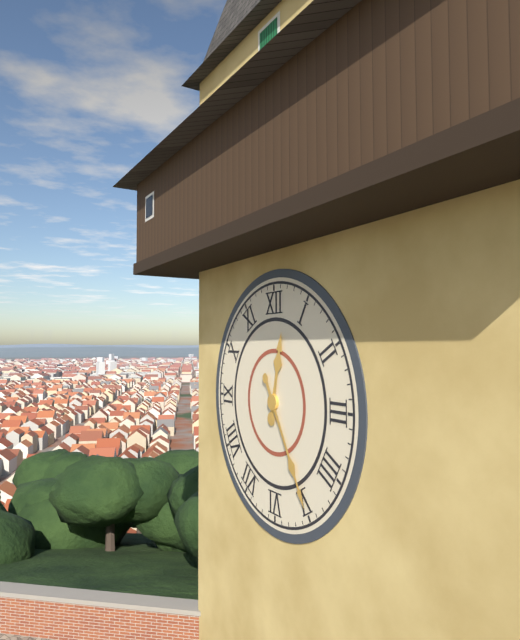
12:25
